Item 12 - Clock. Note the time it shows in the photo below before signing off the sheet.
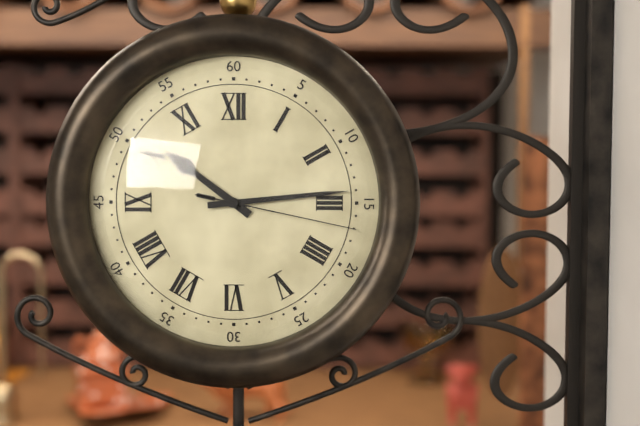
10:14:17
